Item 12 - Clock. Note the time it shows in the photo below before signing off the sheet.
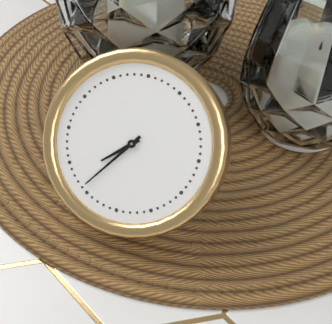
7:36
